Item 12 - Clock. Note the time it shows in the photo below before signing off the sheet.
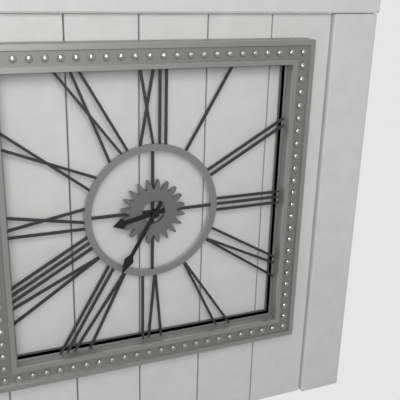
8:35
